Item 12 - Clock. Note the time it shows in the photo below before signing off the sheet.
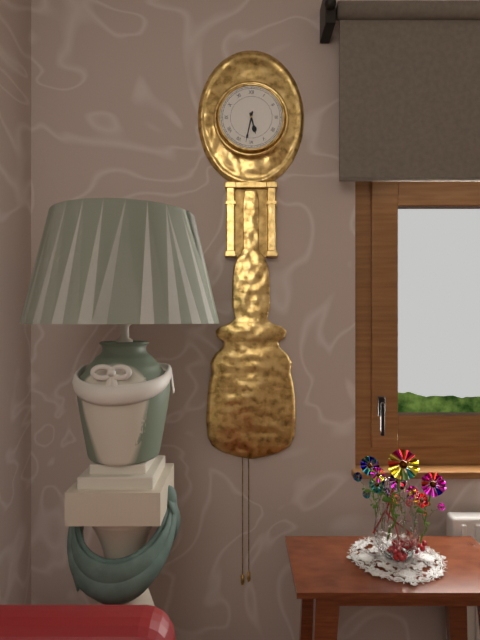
5:32
